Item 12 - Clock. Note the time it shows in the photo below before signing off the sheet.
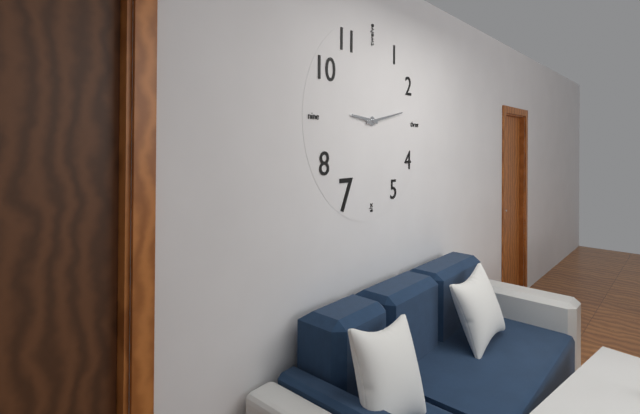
9:13
